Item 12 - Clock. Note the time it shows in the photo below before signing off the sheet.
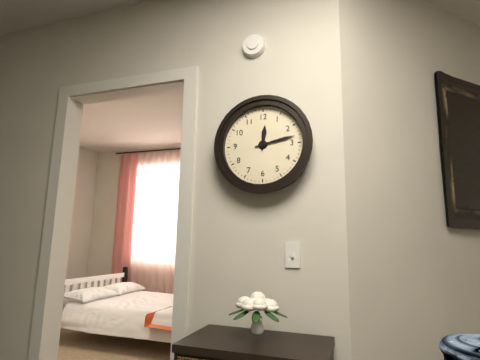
12:13
